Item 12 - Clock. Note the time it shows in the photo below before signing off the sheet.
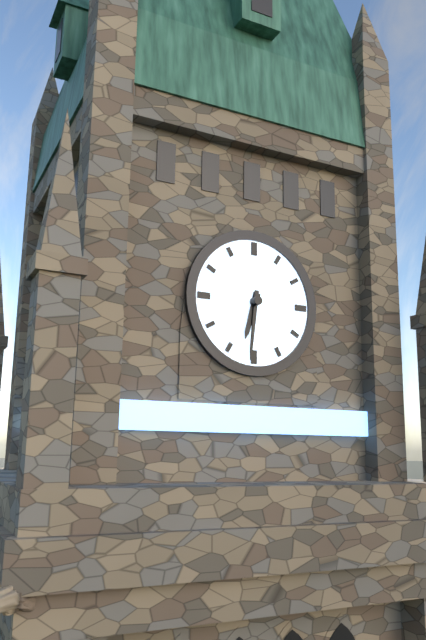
6:31
